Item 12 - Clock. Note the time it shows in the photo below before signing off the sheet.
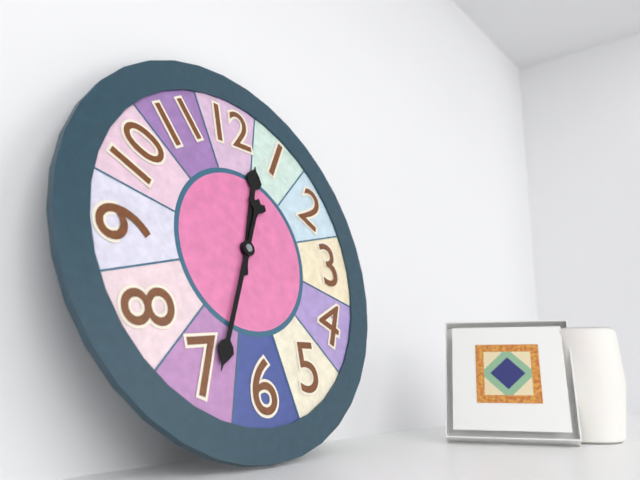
12:34
